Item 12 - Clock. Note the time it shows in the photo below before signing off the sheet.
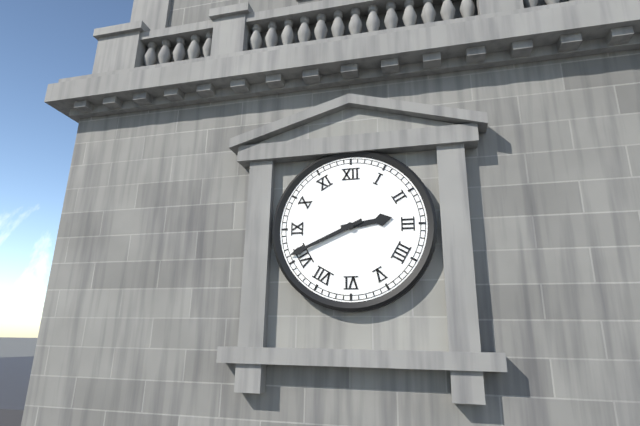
2:41
